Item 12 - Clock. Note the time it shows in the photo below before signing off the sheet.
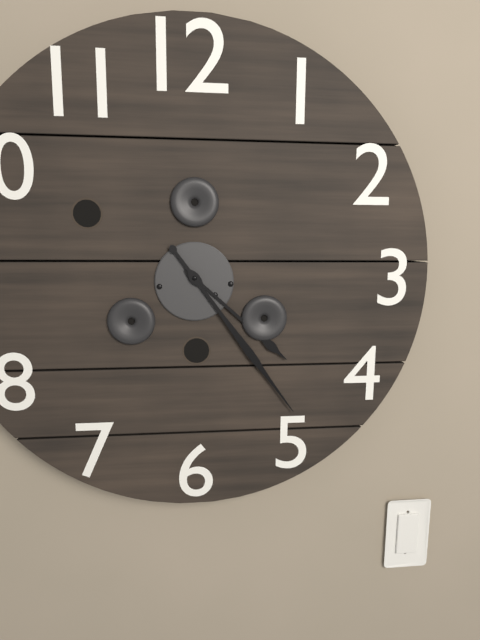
4:24
